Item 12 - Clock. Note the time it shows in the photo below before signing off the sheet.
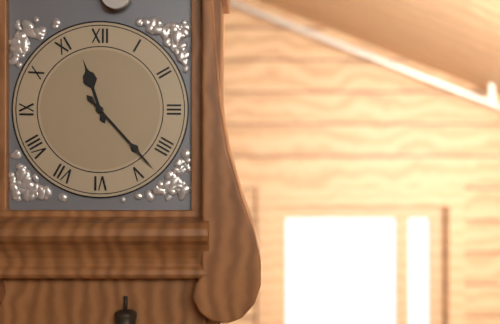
11:23
